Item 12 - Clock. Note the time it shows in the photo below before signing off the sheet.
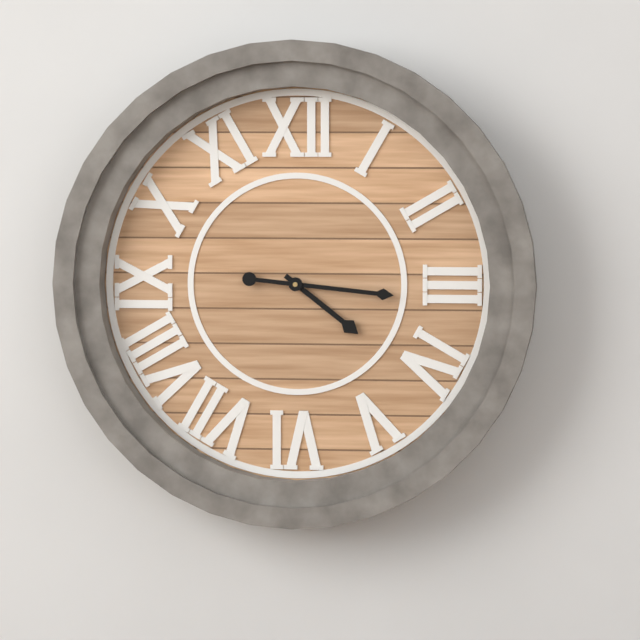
4:16
